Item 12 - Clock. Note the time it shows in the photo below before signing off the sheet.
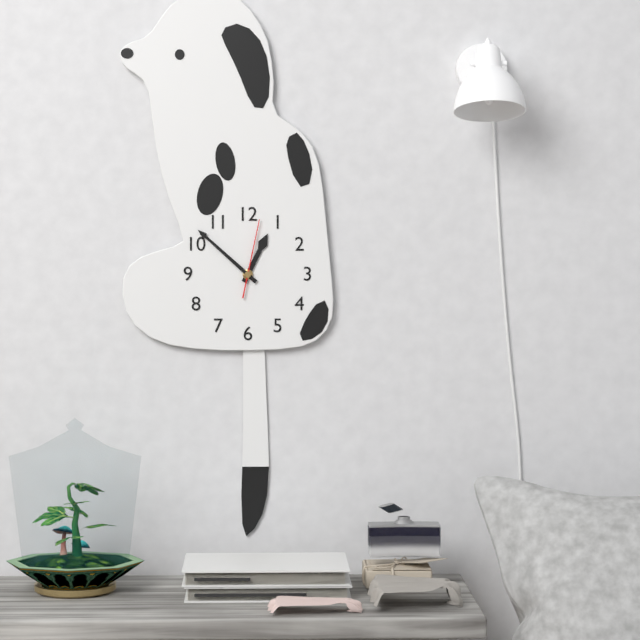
12:52:02
